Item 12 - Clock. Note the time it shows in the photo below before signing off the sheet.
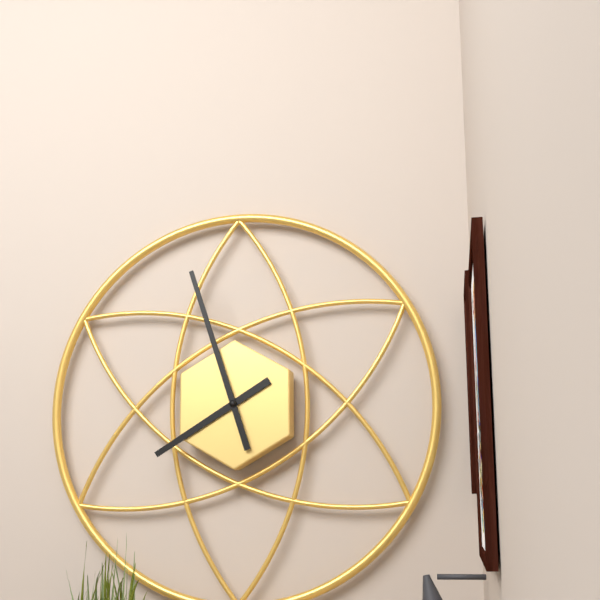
7:57
